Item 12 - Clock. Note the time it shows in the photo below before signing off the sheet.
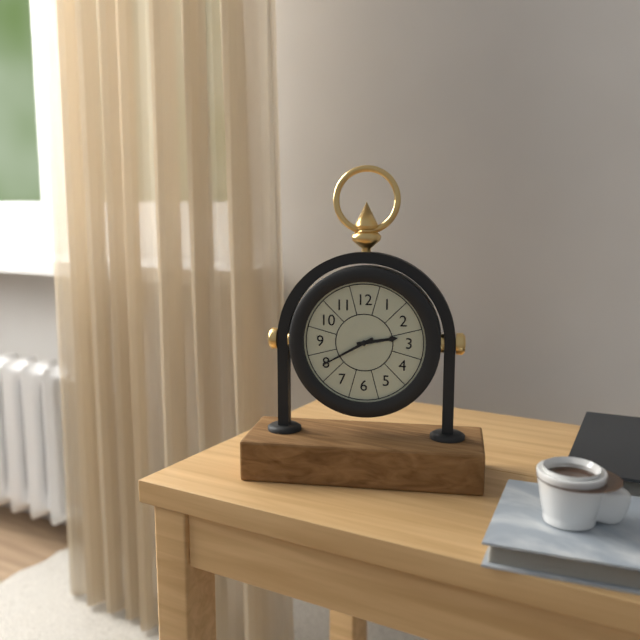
2:40
